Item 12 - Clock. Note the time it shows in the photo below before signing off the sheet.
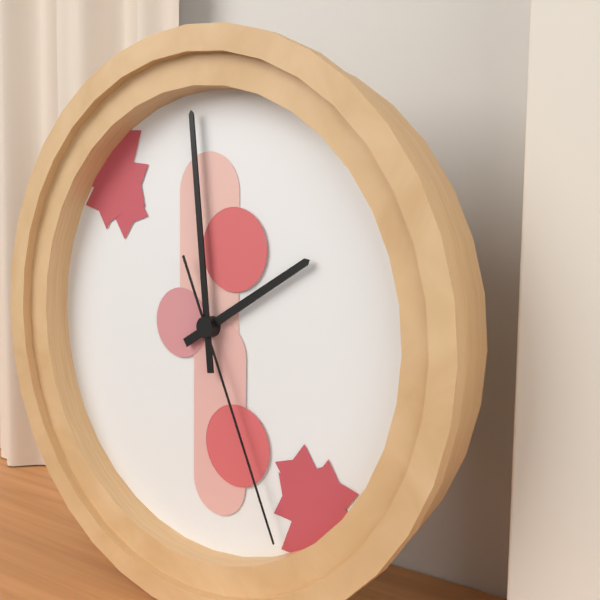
1:59:26
